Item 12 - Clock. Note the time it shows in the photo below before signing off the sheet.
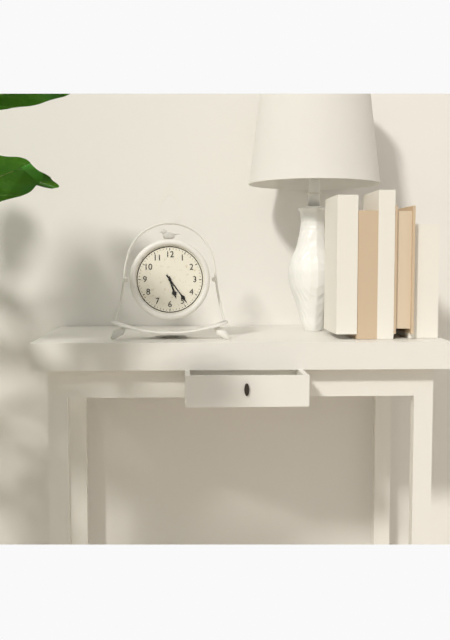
5:24
